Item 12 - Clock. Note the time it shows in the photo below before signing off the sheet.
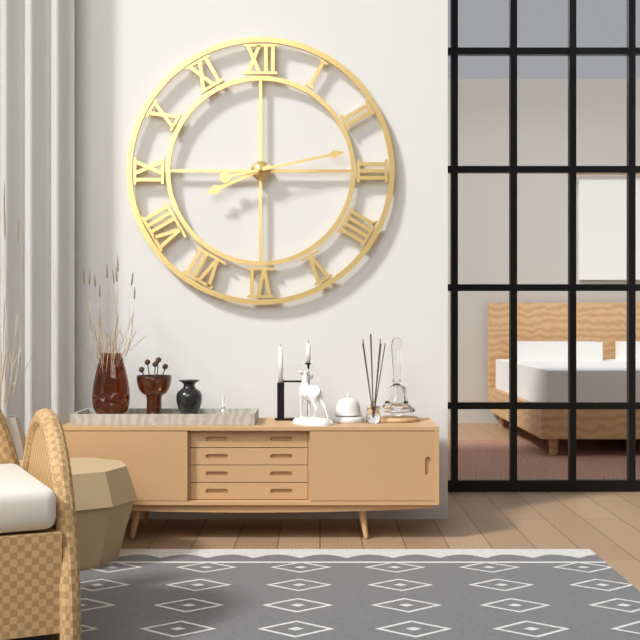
8:13
